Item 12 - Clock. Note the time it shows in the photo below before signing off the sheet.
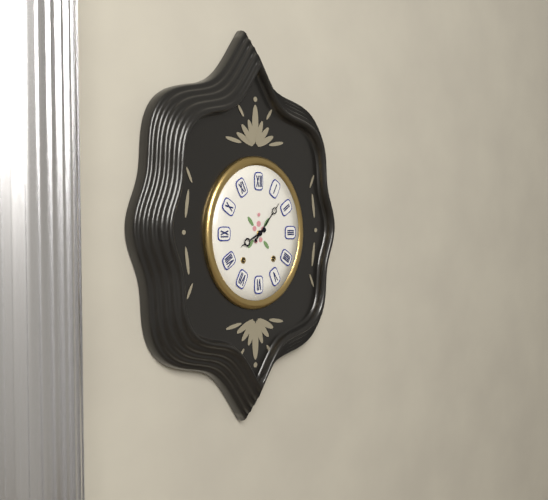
8:07
